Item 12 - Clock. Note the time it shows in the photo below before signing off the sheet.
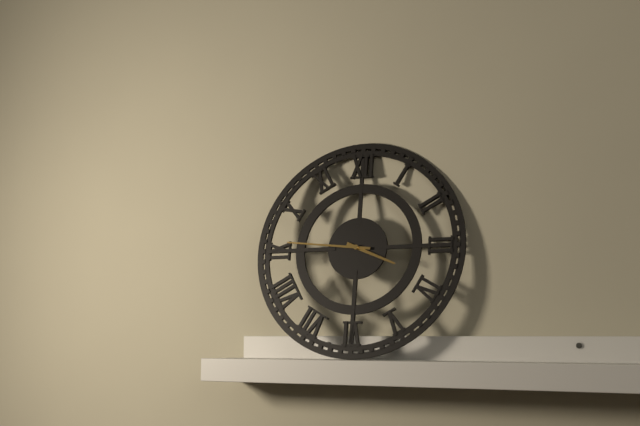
3:46
